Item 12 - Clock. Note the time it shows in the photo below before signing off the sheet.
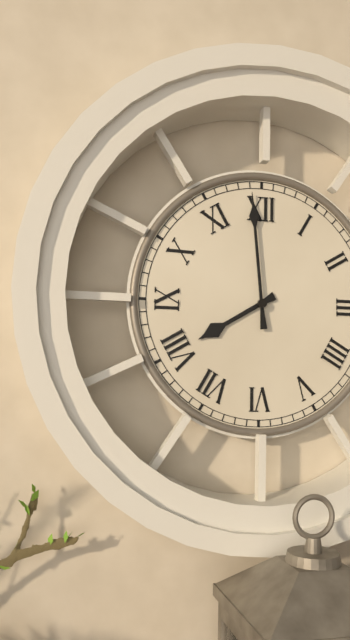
7:59
